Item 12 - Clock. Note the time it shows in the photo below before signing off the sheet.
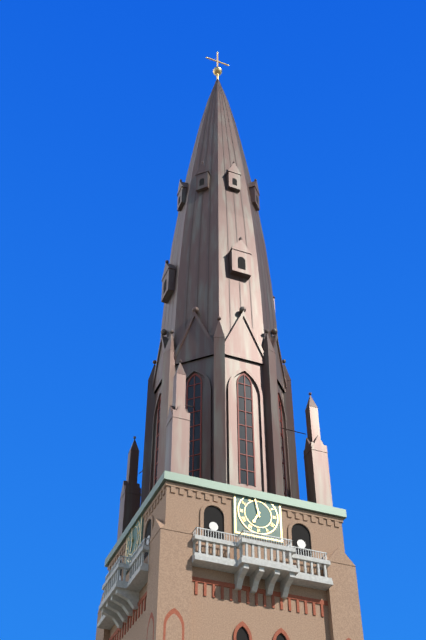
6:58
